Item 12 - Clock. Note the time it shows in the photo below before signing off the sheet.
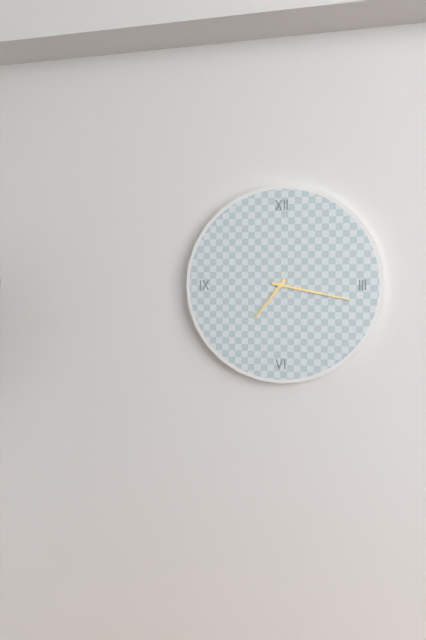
7:17
